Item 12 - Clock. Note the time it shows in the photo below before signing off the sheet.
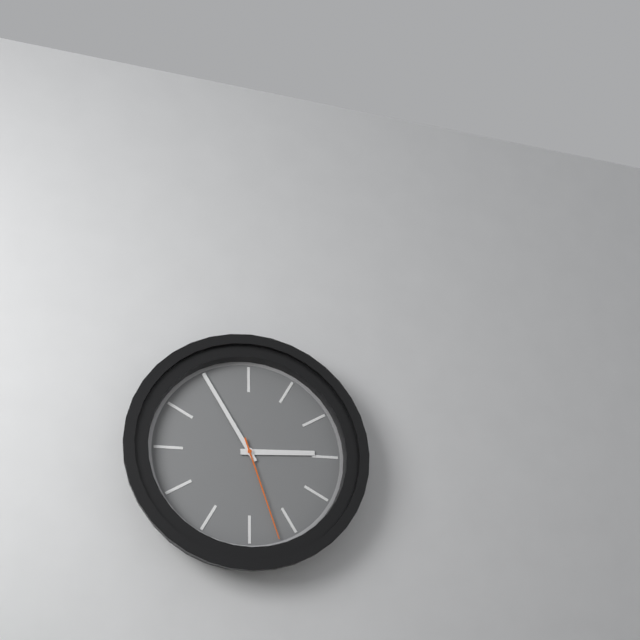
2:55:27
